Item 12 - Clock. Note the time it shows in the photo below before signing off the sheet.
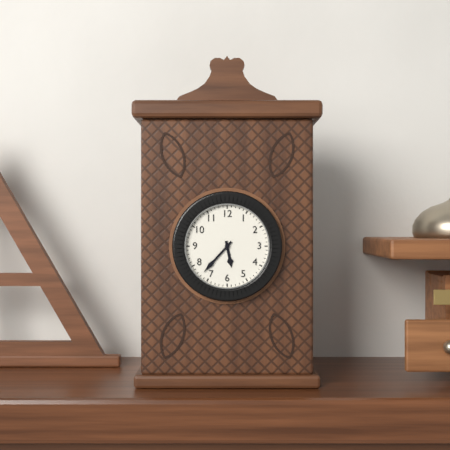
5:37
